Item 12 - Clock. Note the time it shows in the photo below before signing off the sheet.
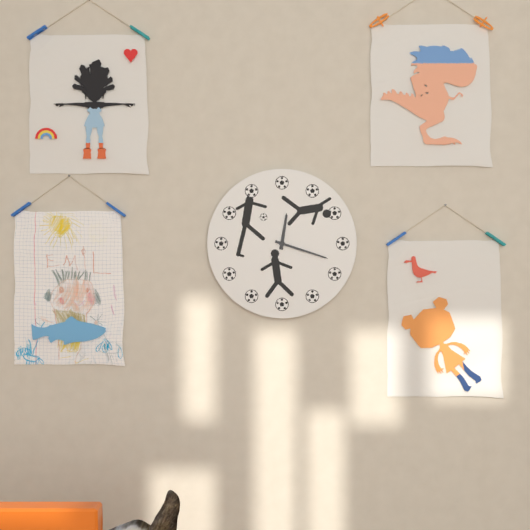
12:18
